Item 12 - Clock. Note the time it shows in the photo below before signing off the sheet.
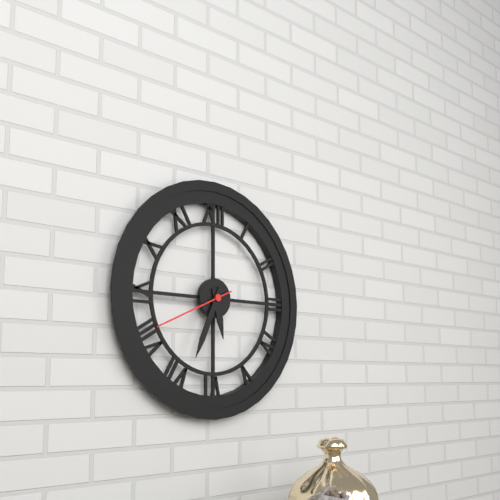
5:34:41
